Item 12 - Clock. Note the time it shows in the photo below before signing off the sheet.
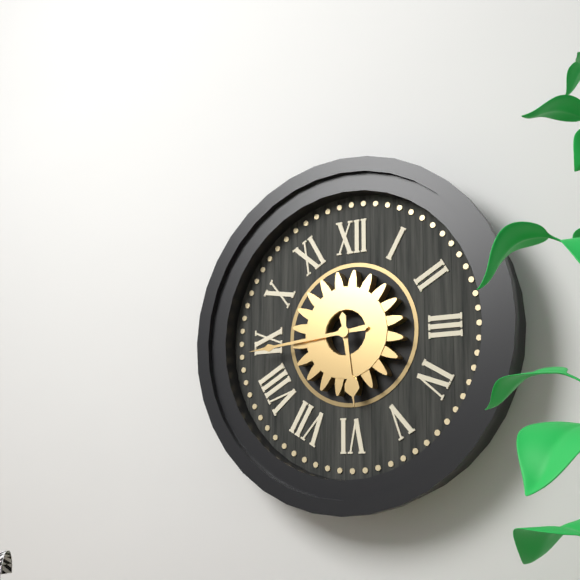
5:44
